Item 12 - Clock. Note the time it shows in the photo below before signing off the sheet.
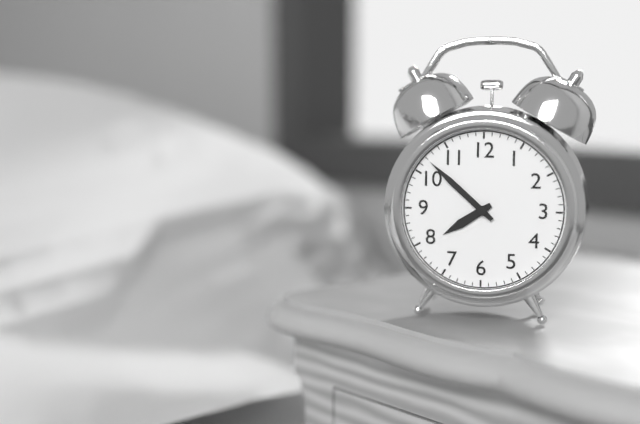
7:52
